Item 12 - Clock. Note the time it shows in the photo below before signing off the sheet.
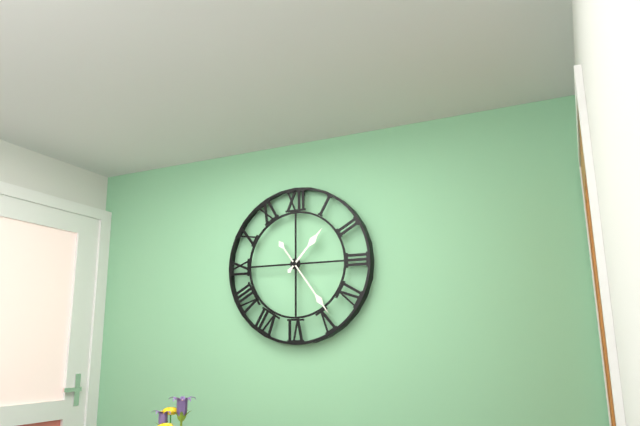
1:24
